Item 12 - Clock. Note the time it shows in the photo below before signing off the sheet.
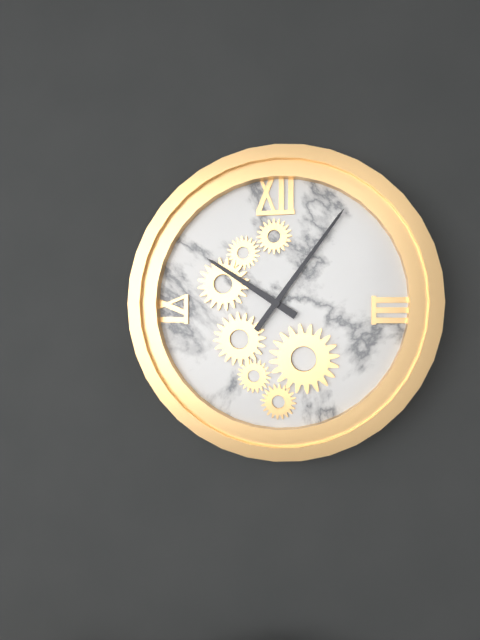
10:06
